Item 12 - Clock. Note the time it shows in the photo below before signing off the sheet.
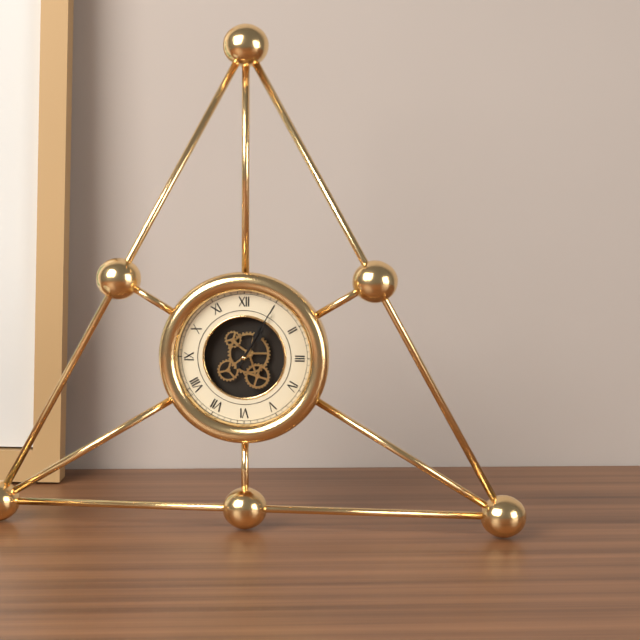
1:05
